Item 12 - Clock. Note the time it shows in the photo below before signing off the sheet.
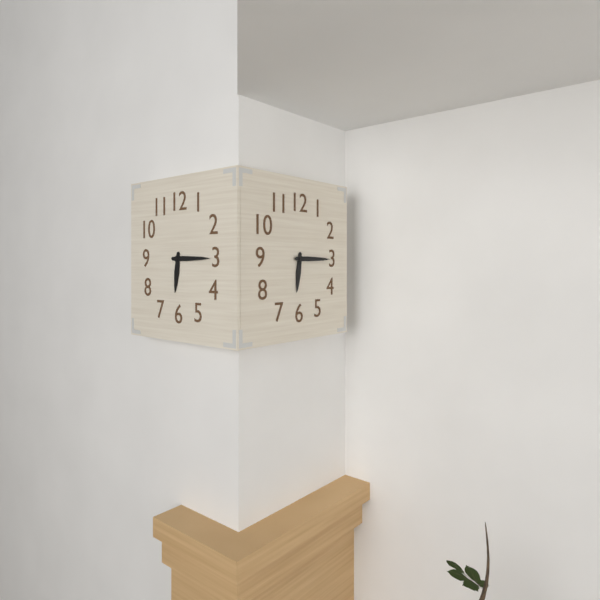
6:15
